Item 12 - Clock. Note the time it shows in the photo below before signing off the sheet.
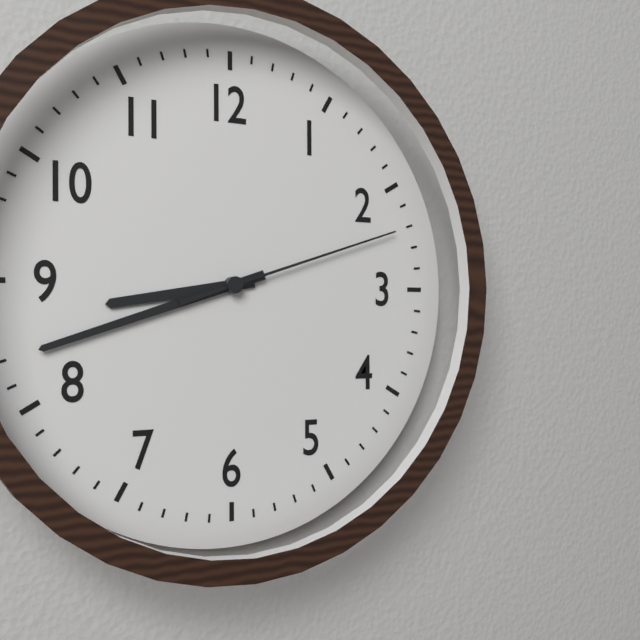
8:42:12
